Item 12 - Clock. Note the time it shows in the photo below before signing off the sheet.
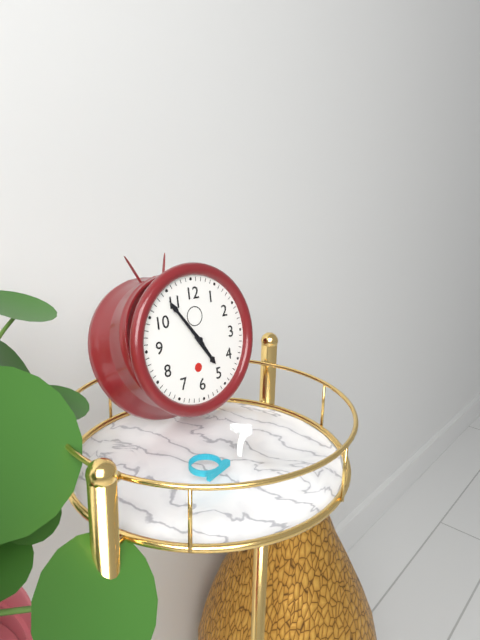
4:54
